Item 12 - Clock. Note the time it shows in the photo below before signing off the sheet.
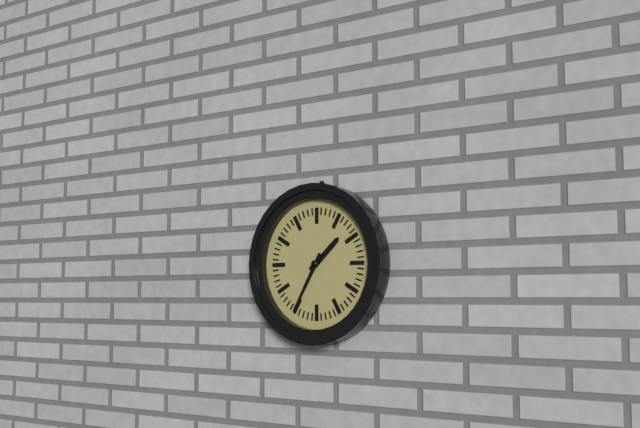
1:35
